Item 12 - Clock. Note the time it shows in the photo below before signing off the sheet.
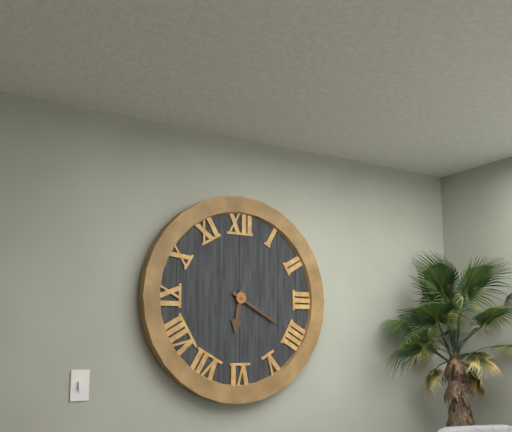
6:20
